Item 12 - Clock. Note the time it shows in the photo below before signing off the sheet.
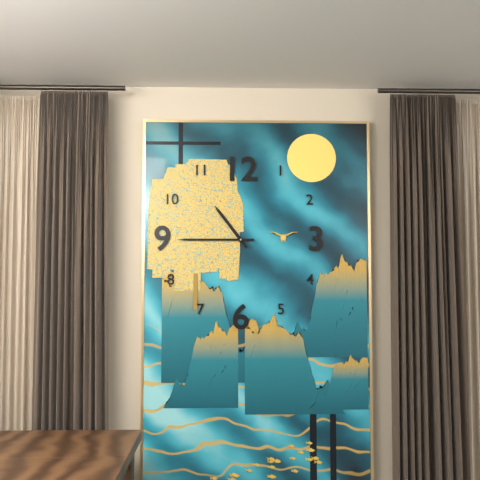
10:45
